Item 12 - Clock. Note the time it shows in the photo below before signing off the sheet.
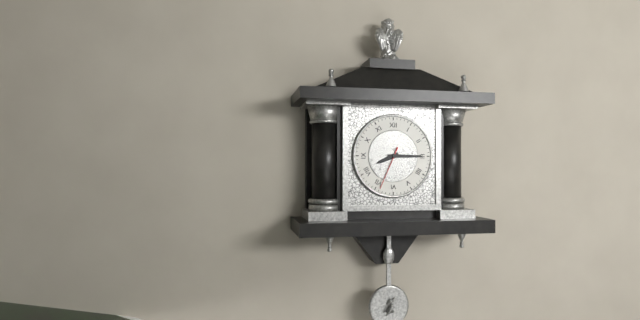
8:15
